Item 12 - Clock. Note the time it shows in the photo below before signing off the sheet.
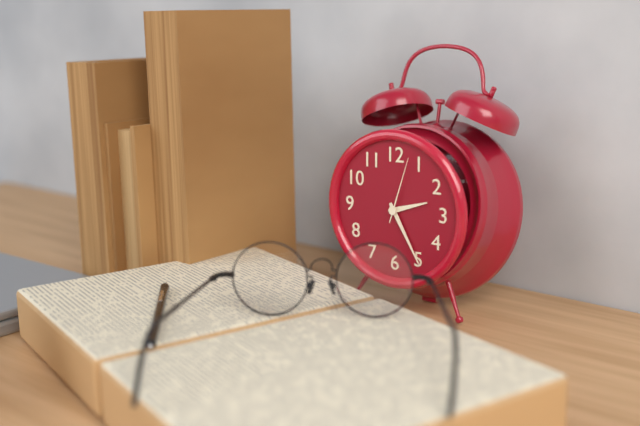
2:25:03
